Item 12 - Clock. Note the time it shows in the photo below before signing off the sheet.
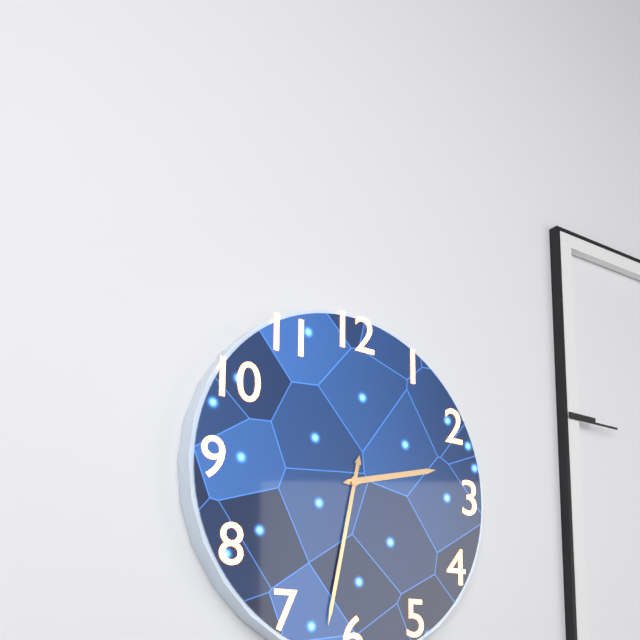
2:32
